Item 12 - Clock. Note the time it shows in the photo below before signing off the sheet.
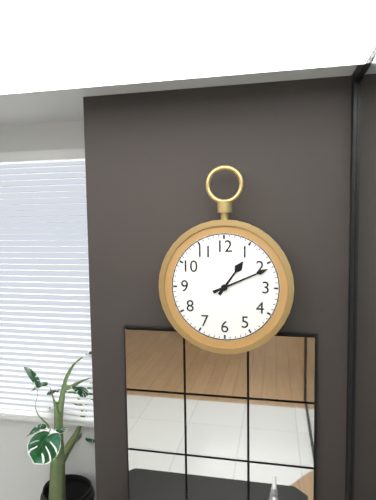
1:11
